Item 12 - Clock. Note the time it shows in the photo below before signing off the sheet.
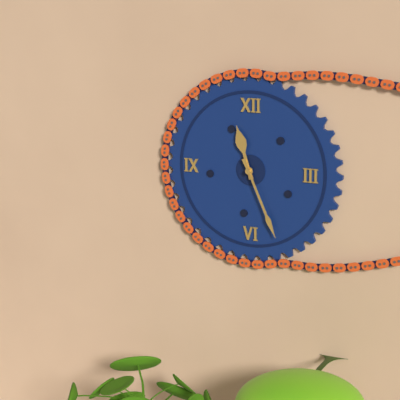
11:26
